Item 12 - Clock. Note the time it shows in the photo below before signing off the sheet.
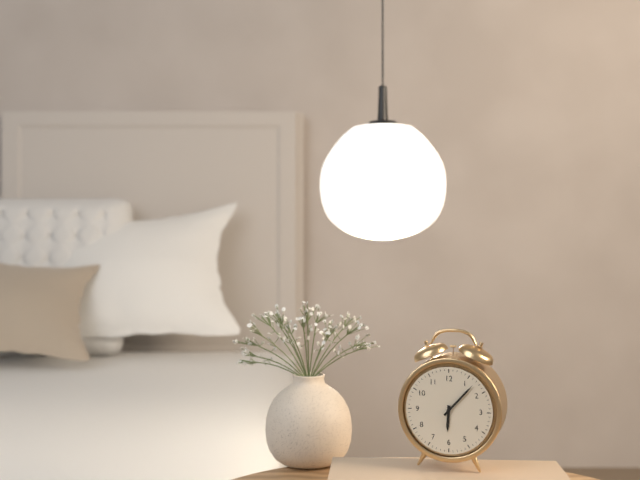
6:07
